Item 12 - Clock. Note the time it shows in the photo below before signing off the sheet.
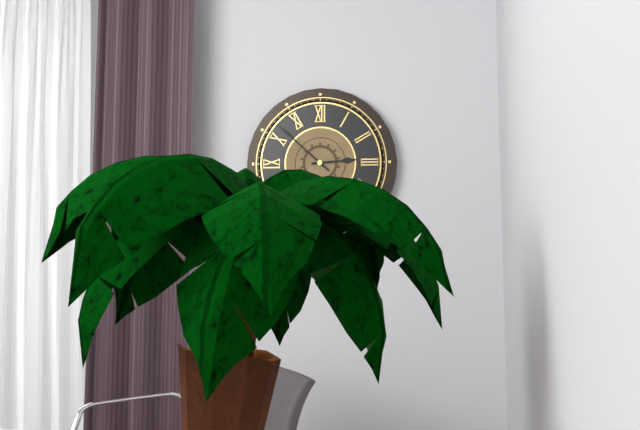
2:52
